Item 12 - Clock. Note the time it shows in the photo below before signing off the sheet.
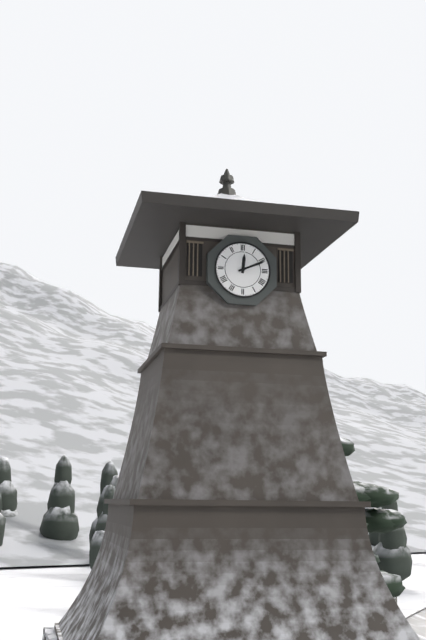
12:11
